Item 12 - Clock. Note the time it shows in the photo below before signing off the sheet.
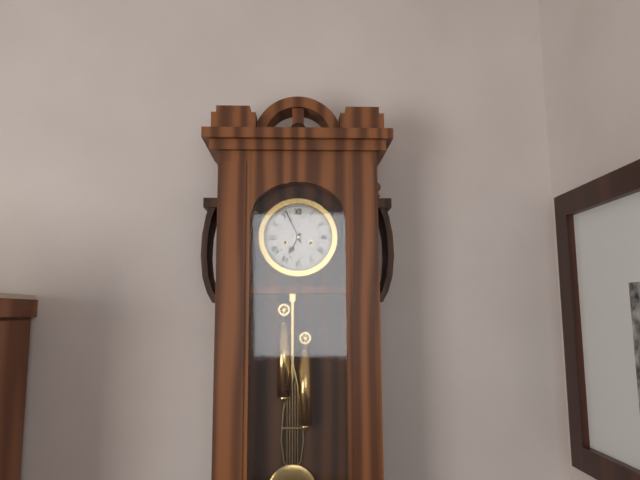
6:56
